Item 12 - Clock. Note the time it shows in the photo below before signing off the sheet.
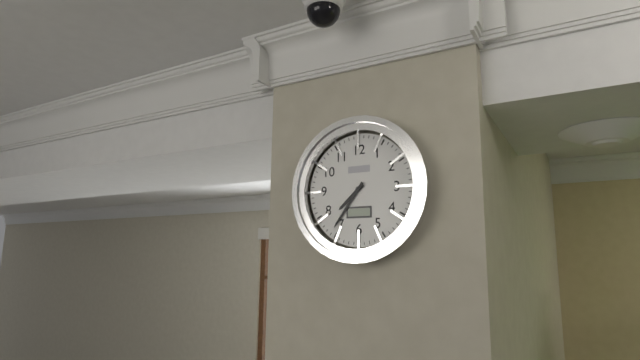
7:36
